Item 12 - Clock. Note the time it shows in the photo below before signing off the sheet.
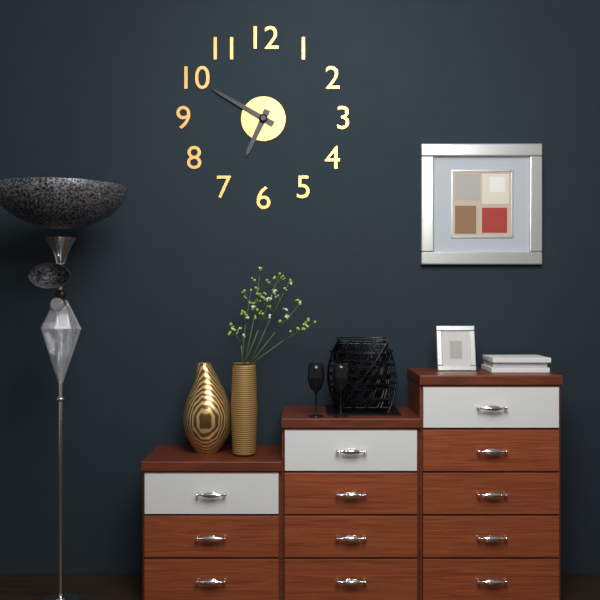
6:50
